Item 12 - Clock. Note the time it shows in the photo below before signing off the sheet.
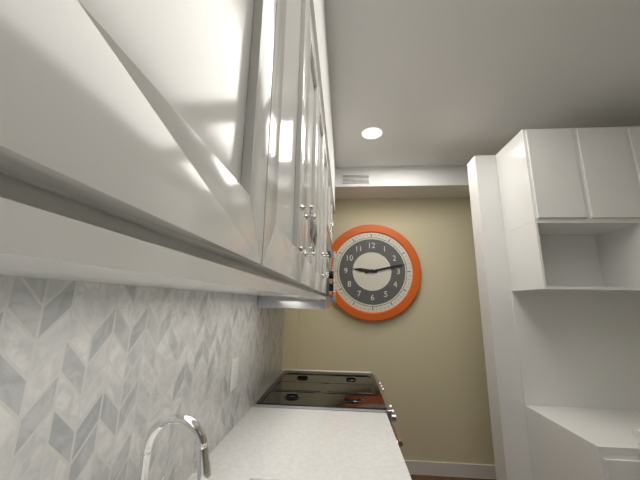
9:13
